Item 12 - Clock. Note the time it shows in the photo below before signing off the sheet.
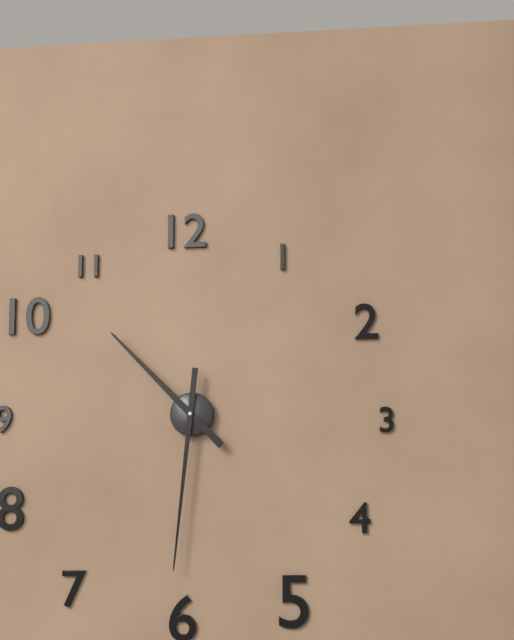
10:31
